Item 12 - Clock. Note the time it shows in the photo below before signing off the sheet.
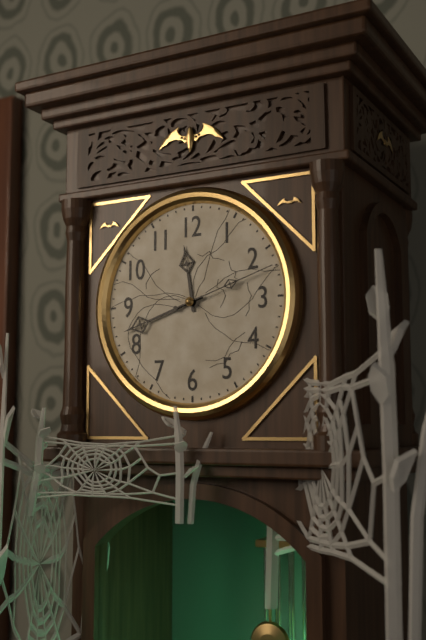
11:42:12
